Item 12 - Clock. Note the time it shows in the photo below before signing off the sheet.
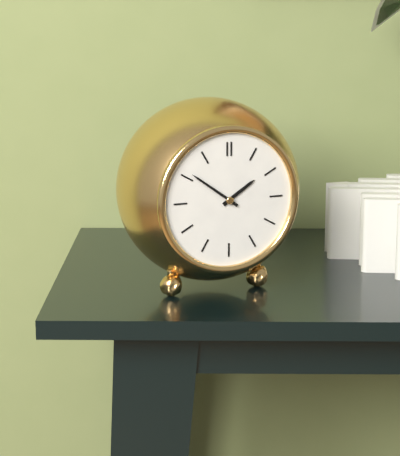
1:51
